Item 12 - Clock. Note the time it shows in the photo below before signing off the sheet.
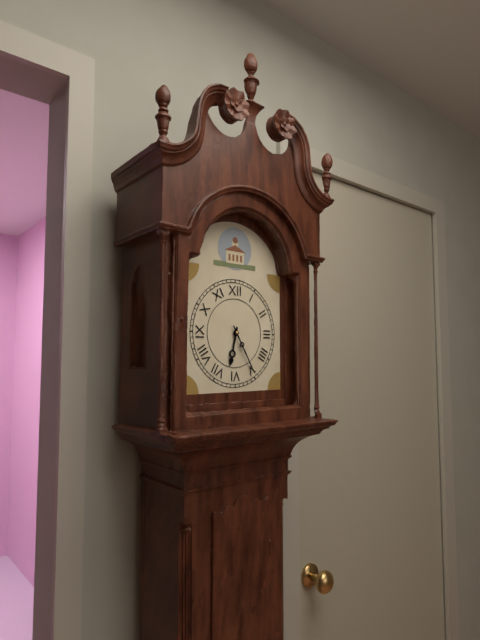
6:25
